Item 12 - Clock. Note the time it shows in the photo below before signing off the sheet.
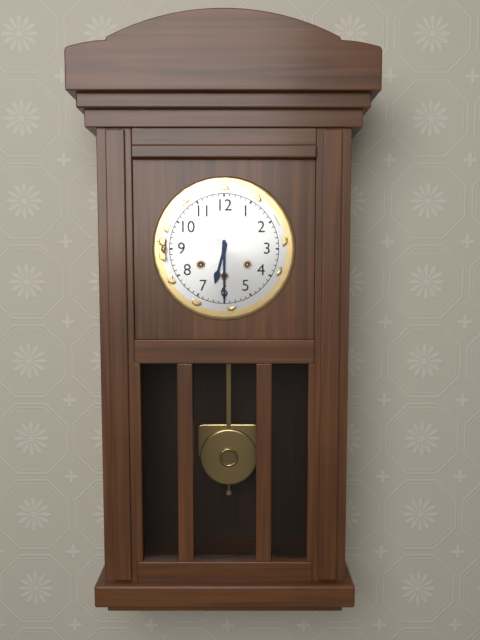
6:30
